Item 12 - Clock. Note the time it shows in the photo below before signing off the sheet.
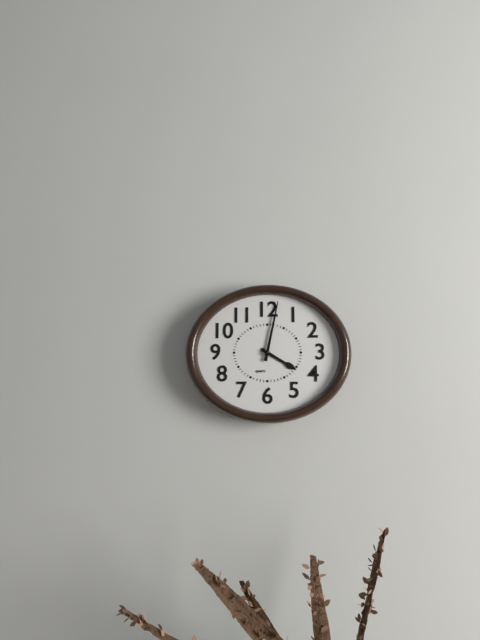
4:02
